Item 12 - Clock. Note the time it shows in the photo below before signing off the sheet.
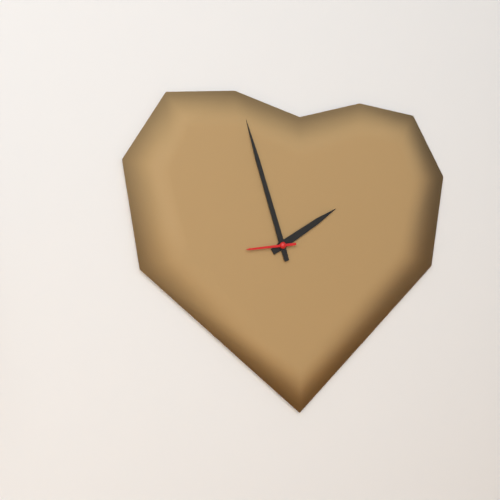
1:57
